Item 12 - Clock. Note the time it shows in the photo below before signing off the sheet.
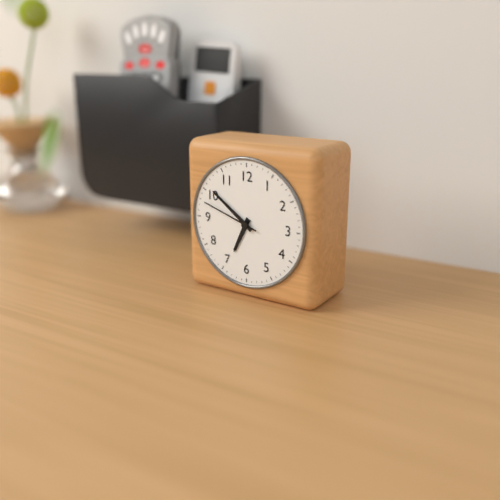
6:51:48
